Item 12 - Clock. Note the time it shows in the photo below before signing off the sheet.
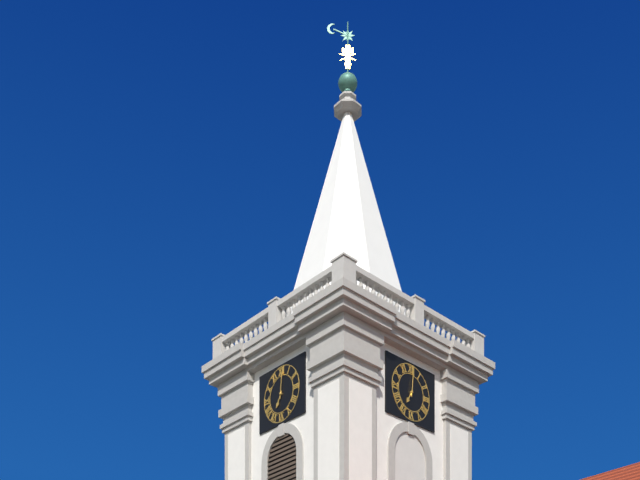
7:01
